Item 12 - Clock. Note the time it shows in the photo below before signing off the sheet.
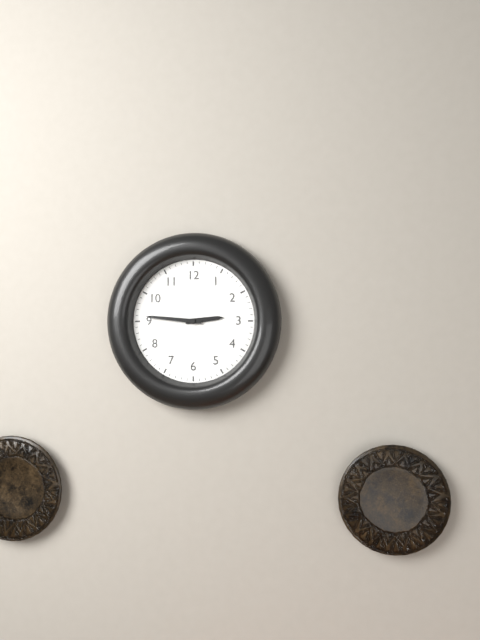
2:46
